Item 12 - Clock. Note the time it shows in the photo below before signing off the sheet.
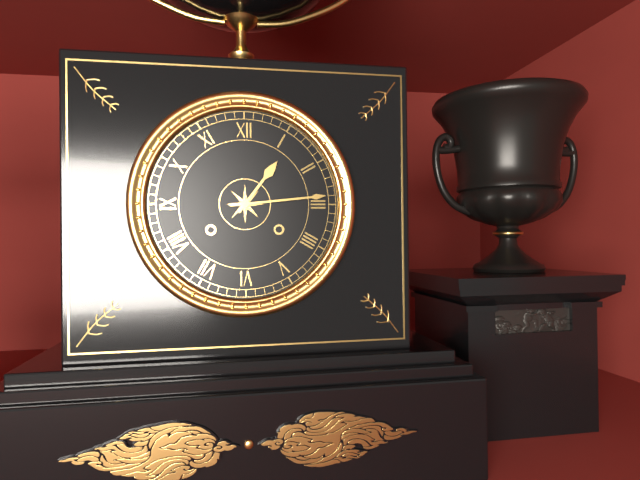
1:14
